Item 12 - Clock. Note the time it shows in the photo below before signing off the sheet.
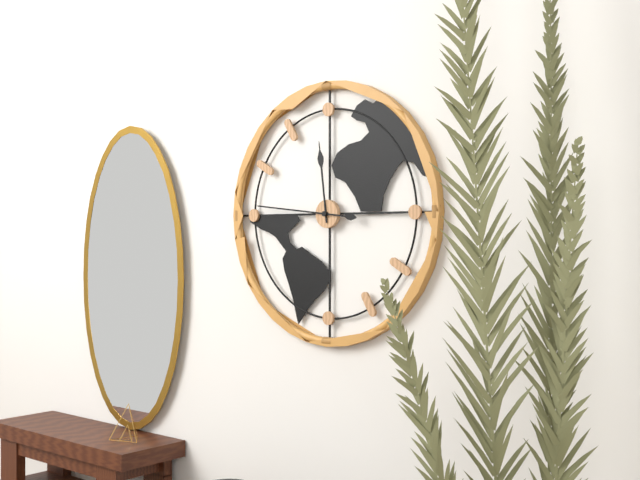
11:46
